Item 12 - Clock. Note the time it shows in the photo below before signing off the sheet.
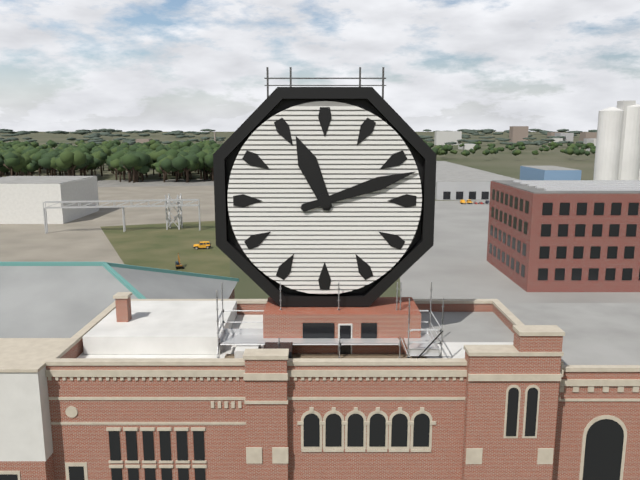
11:12
